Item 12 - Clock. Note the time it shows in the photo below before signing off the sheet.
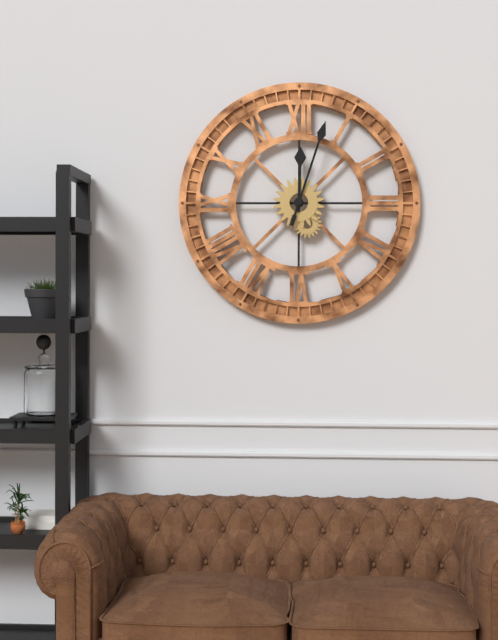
12:03
